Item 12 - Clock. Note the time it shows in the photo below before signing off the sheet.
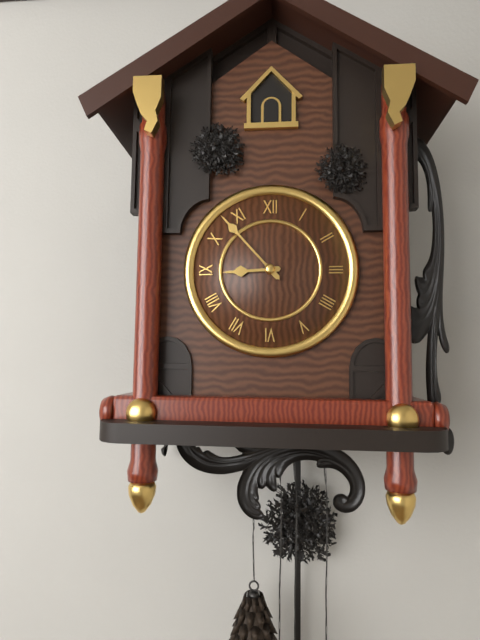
8:53
